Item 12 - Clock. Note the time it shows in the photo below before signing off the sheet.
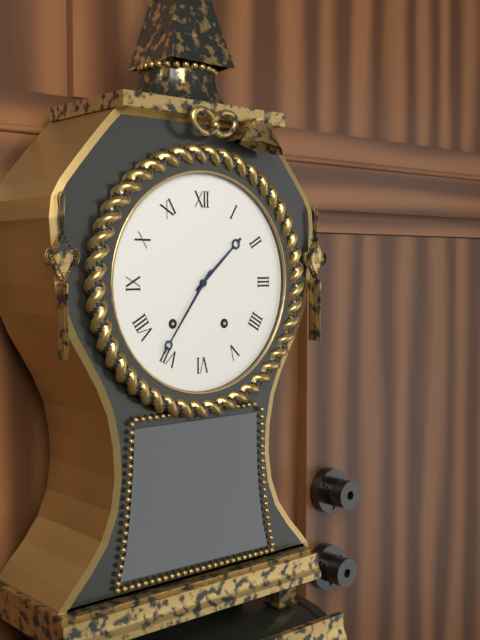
1:36
